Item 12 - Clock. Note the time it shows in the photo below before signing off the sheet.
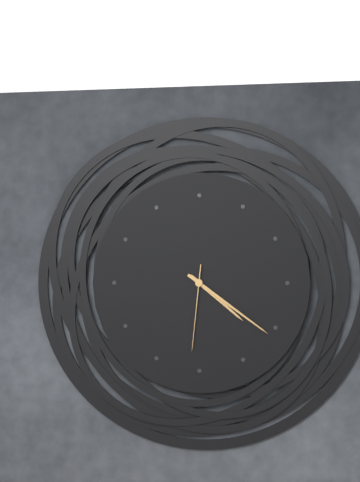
4:21:31
